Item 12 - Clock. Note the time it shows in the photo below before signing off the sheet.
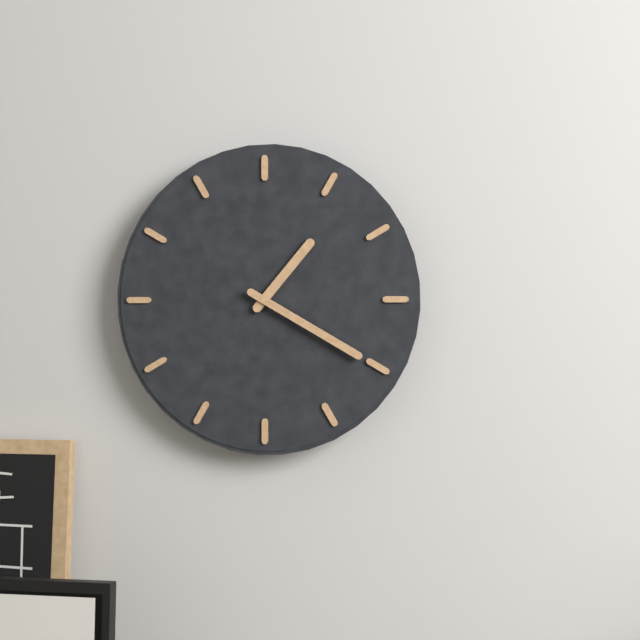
1:20
